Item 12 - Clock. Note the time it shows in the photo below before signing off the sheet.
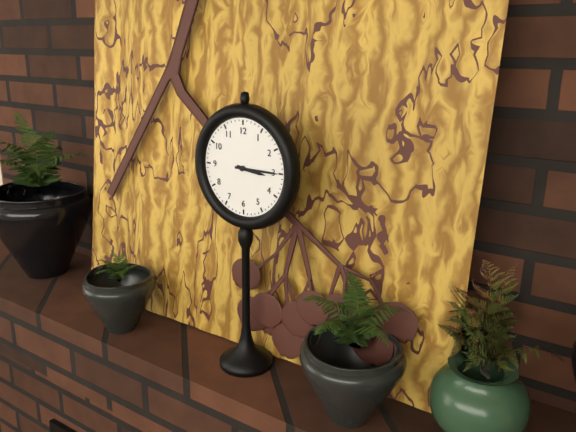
3:15
